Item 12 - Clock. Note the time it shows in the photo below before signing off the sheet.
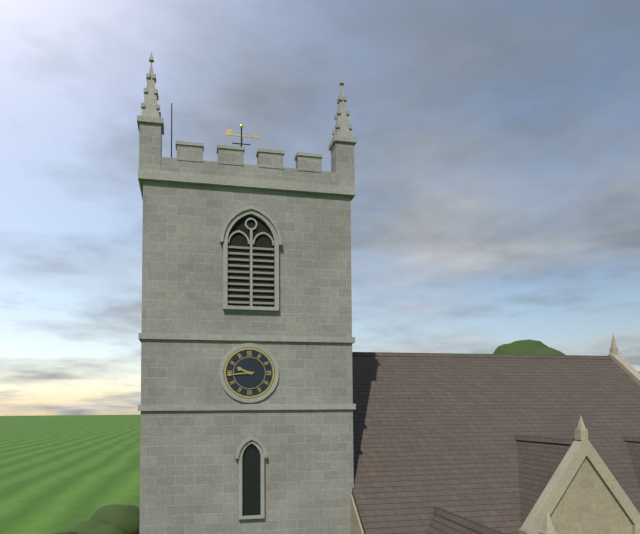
9:44
